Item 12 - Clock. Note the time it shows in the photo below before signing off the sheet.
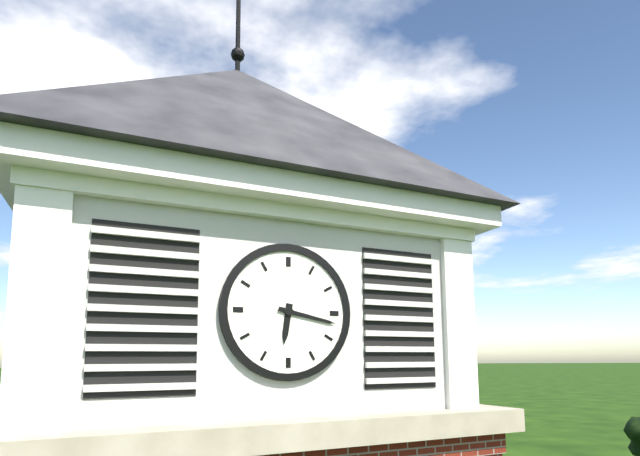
6:17
